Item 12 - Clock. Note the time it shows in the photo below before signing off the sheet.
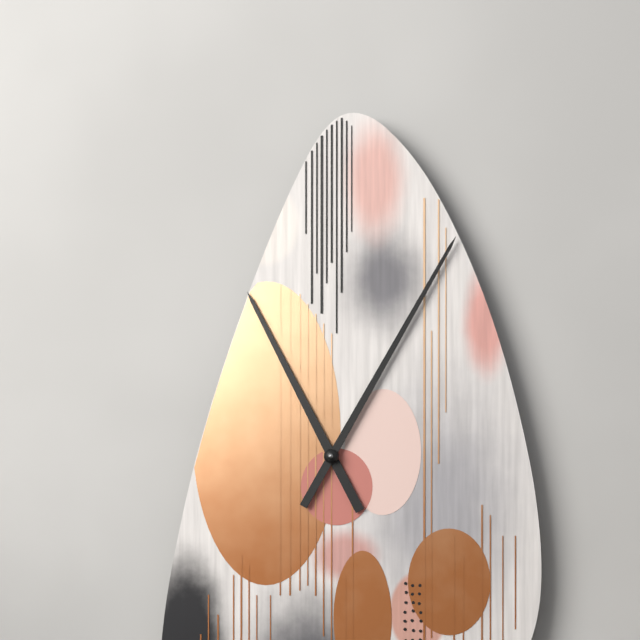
11:05
